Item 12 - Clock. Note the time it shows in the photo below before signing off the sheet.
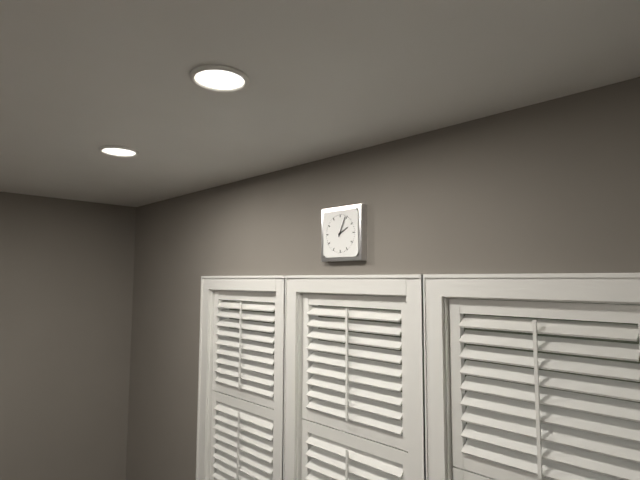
2:04
